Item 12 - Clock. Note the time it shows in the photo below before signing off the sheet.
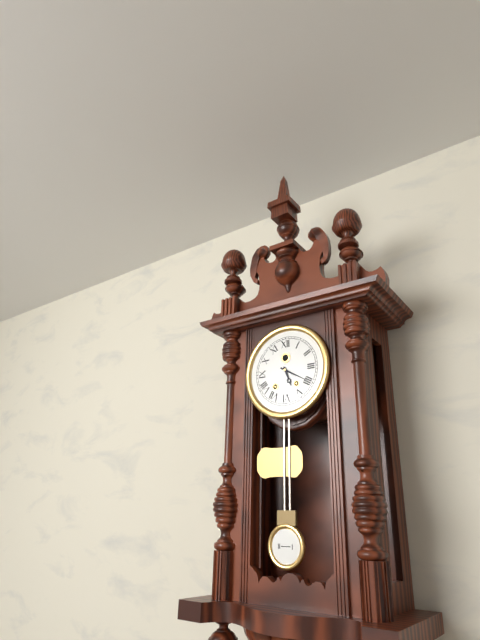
5:20
